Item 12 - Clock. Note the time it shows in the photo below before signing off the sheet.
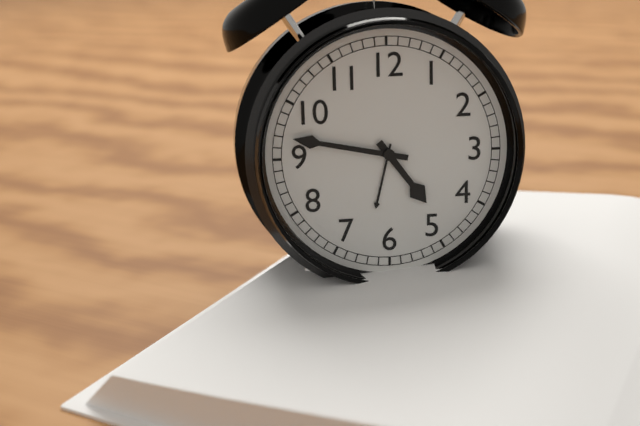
4:47
